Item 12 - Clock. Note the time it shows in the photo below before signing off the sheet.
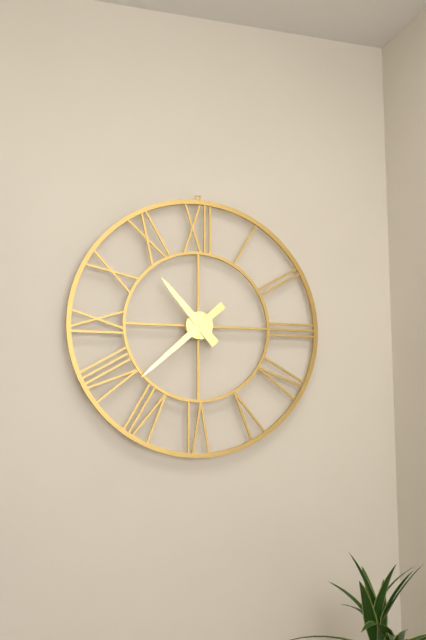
10:38
